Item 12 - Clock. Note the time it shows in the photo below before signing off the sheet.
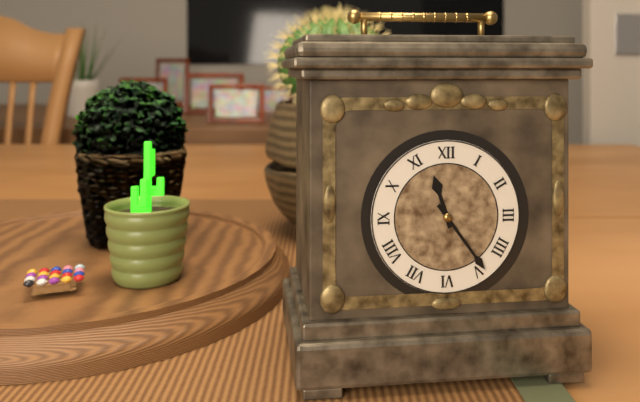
11:24
